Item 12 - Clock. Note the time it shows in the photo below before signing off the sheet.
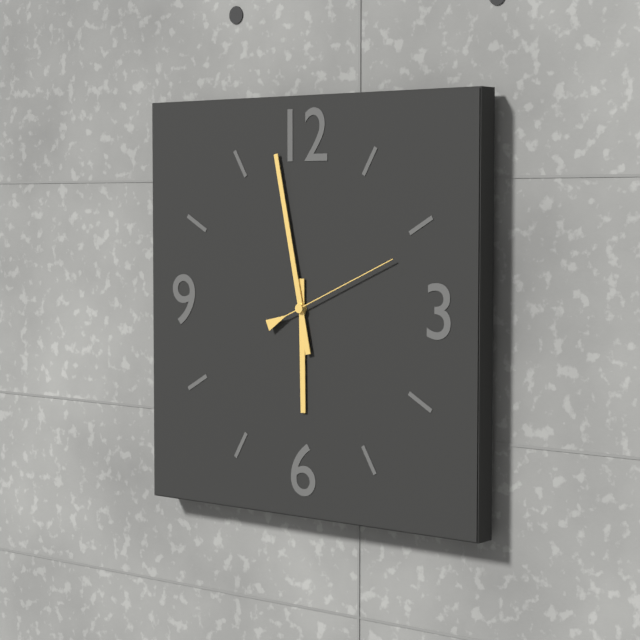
5:58:11
